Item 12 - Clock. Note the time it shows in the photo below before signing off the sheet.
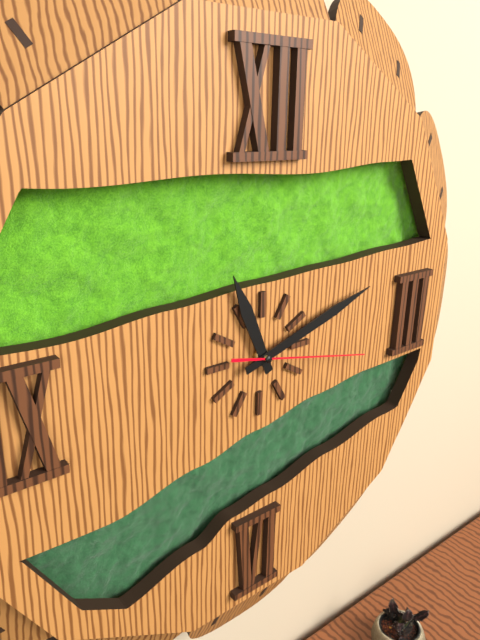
11:12:17
